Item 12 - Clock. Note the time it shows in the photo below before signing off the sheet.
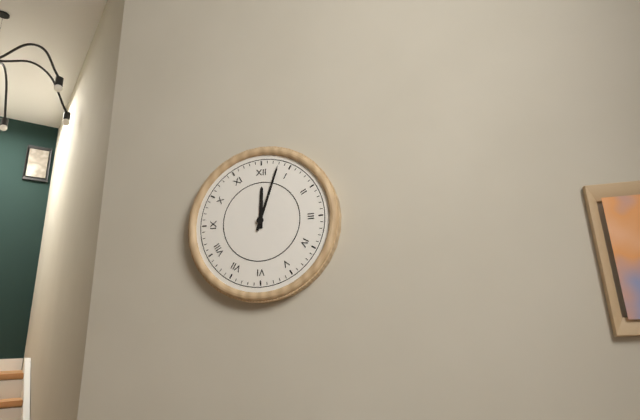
12:03
